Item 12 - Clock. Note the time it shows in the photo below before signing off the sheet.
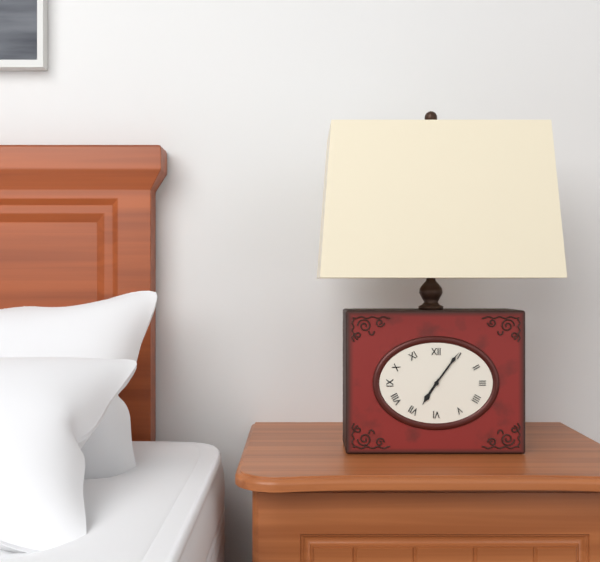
7:06
